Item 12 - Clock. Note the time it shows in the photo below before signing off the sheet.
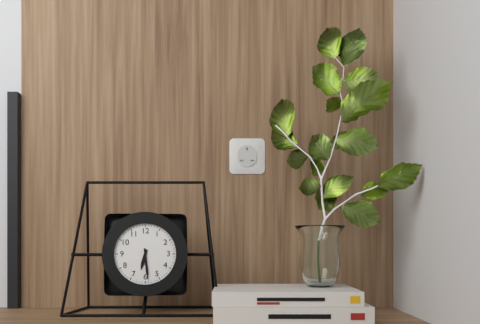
6:29
